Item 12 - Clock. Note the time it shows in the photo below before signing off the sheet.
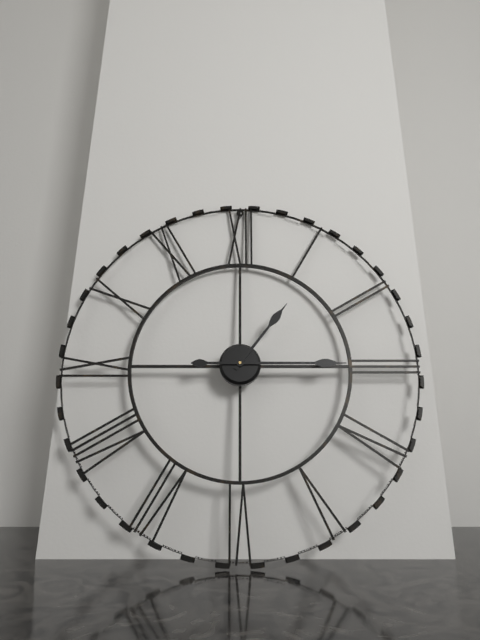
1:15
